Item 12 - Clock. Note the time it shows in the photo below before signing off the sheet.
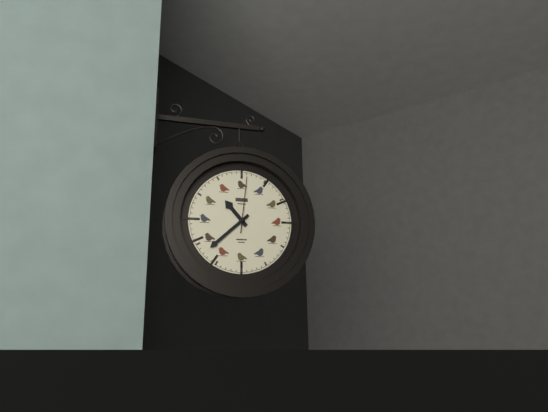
10:38:01
